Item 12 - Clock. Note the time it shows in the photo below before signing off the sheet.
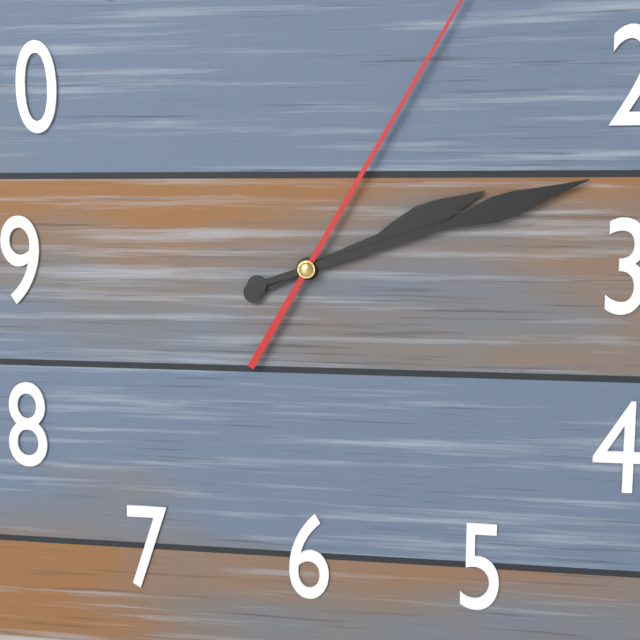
2:12
